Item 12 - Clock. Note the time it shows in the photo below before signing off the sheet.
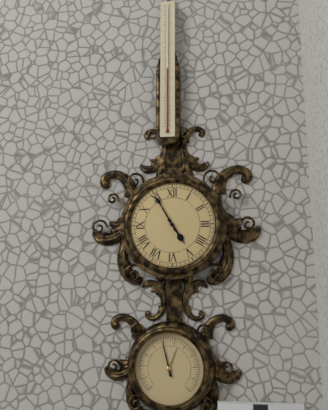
4:55
